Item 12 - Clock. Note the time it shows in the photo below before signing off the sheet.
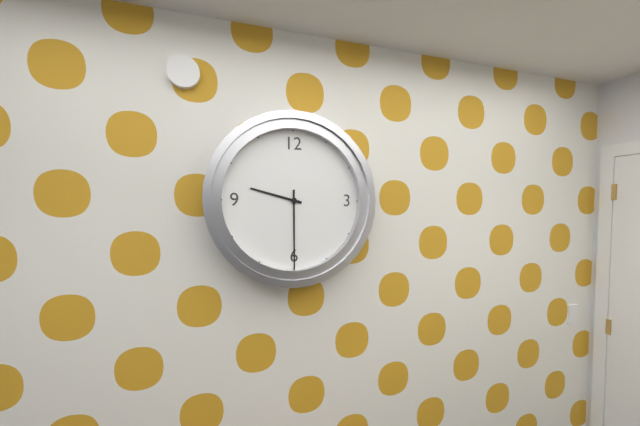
9:30
